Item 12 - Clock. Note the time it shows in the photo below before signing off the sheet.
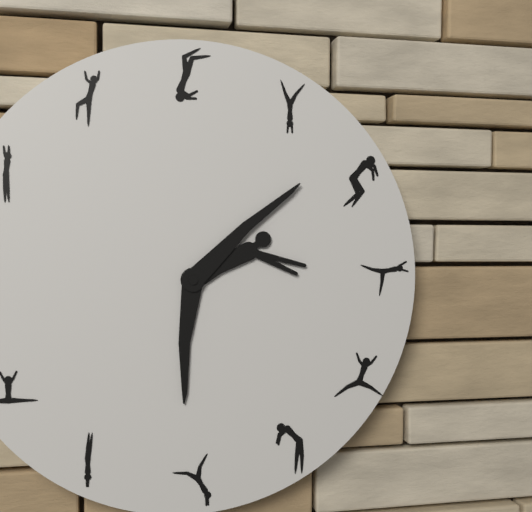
6:08
